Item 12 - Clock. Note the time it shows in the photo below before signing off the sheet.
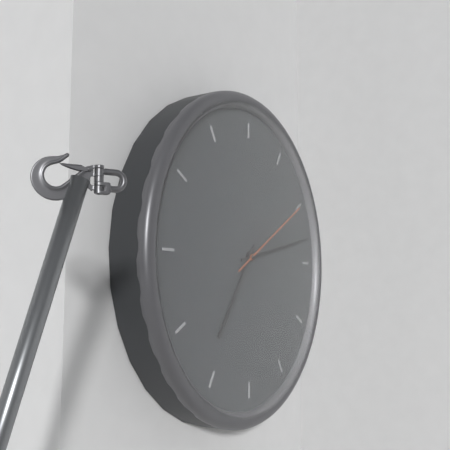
7:13:10
